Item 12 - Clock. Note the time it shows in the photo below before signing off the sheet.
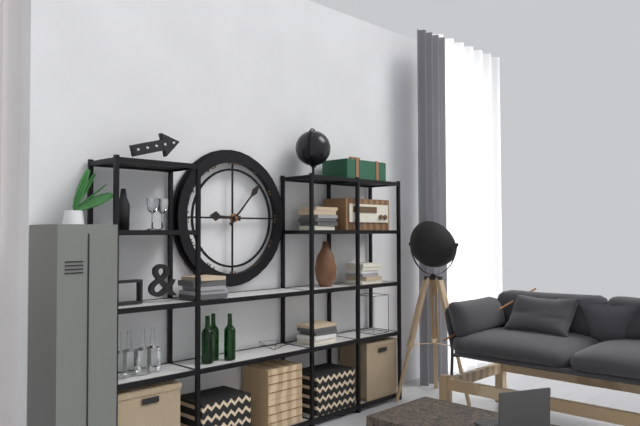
9:07
